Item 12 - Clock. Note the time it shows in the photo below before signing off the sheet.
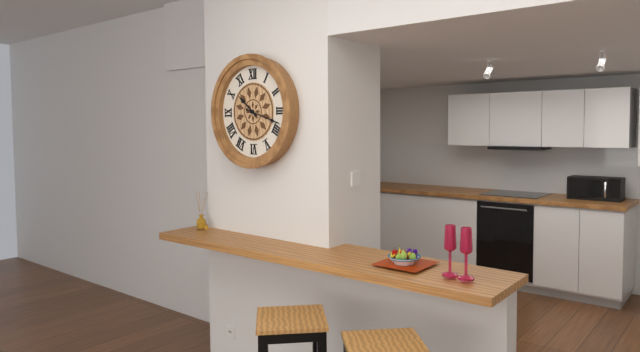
10:18
